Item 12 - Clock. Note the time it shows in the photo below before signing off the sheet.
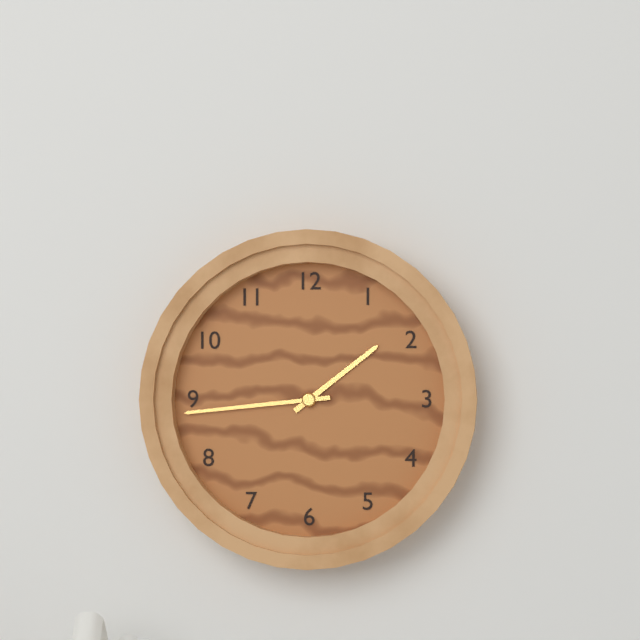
1:44
